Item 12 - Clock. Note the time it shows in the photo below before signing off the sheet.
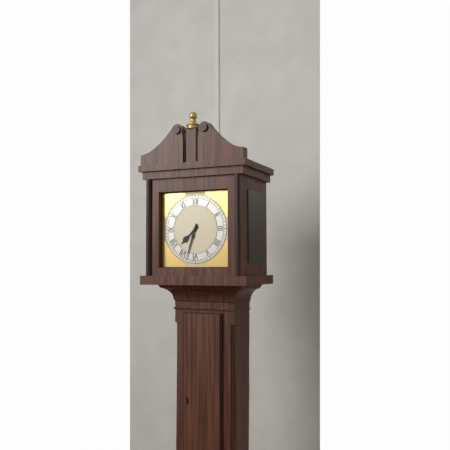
7:33
